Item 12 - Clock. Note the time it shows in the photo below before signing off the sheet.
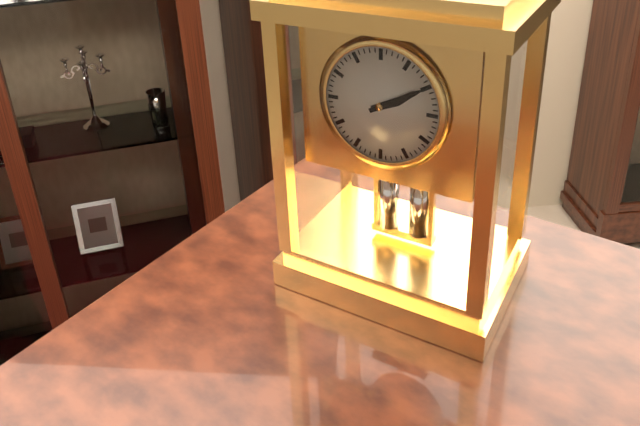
2:10
